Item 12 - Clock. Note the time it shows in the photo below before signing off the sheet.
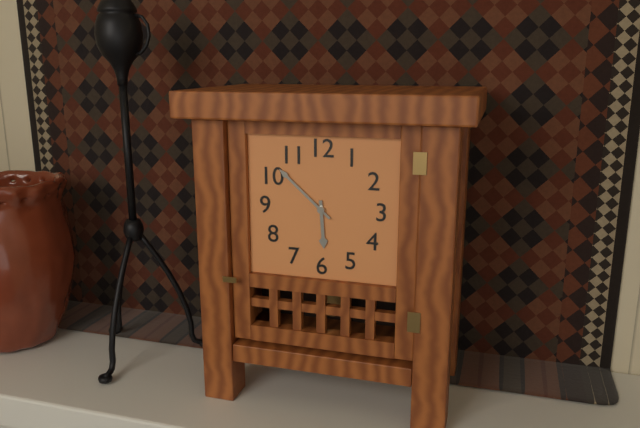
5:52
